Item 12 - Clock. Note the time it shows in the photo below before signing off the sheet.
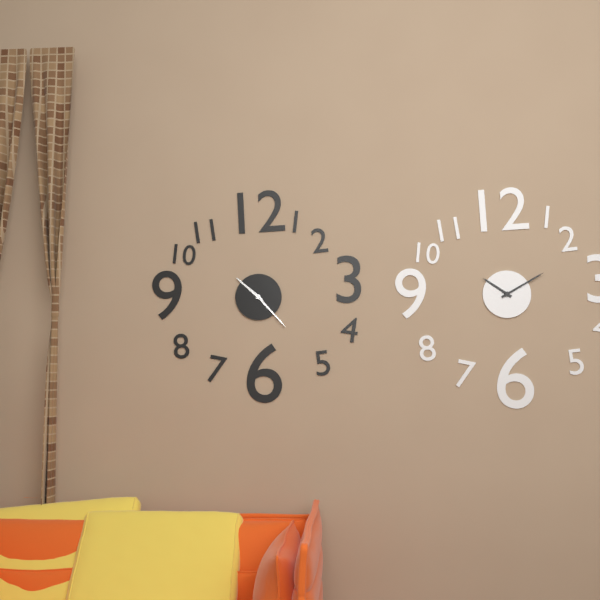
10:23
